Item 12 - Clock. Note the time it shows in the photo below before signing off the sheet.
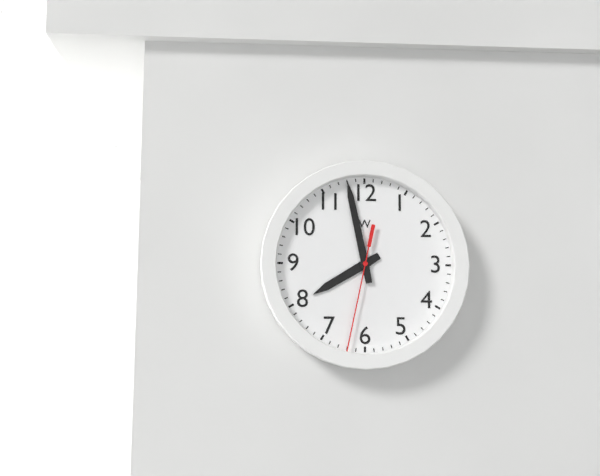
7:58:32
